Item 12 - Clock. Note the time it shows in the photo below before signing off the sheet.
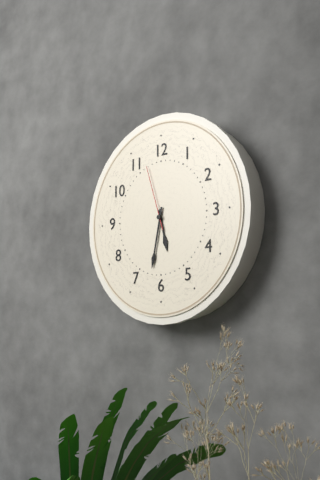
5:32:57
